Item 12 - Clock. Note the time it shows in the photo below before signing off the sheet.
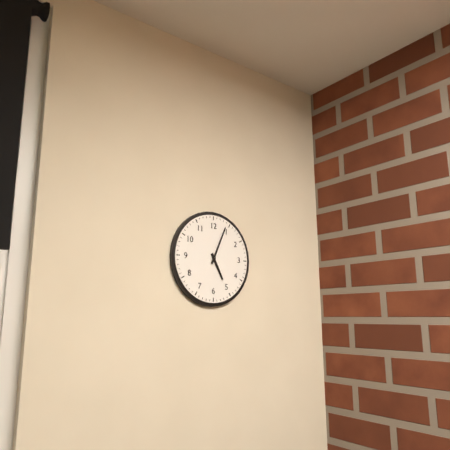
5:04
